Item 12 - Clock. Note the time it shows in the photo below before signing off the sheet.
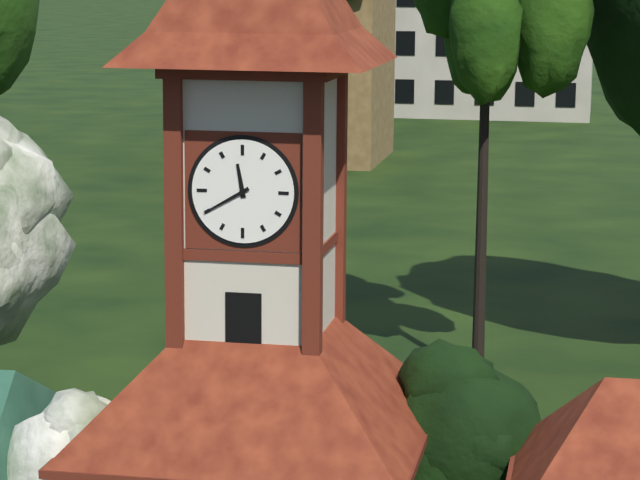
11:40
